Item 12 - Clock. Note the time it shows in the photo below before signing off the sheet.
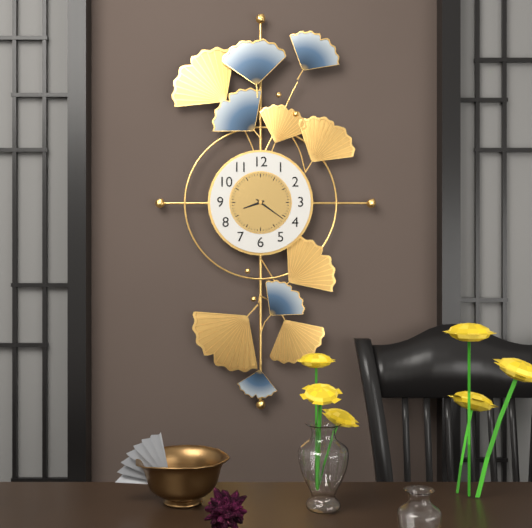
8:21
